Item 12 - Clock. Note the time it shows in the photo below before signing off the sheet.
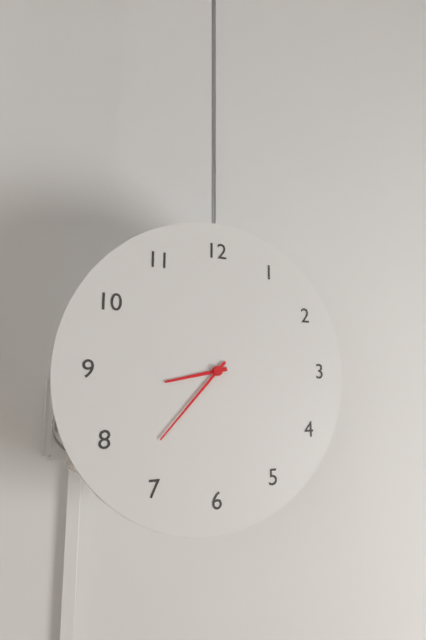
8:37
